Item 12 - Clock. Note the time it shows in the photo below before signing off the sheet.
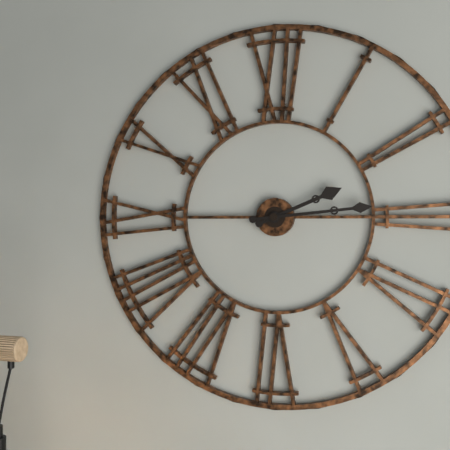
2:14
